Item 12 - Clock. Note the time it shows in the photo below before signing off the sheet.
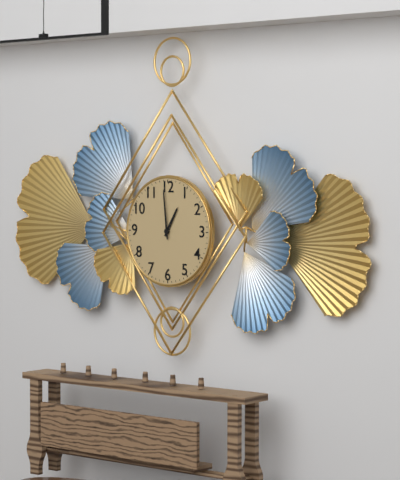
12:59
